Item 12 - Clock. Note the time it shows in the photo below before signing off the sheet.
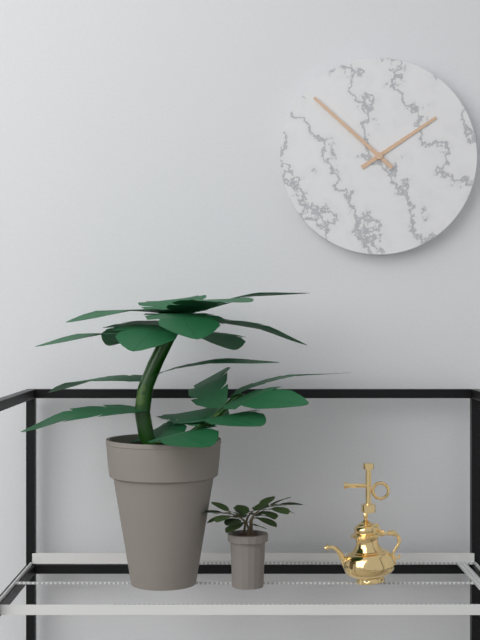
1:52
